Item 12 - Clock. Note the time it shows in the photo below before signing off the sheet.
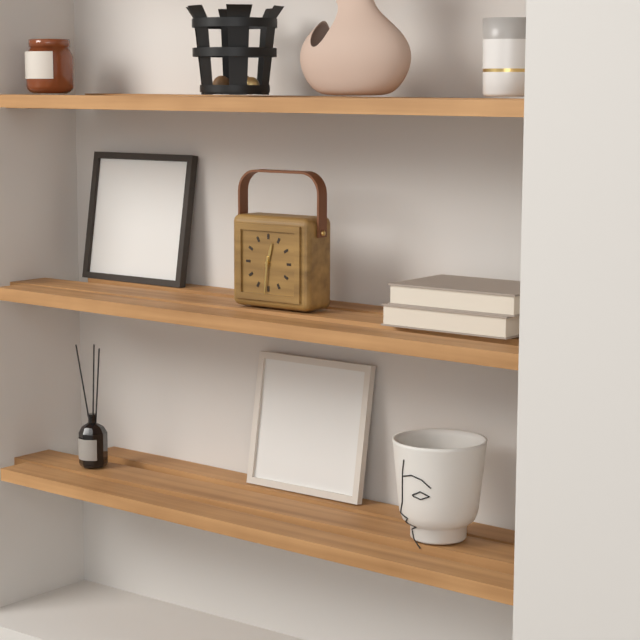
12:31
